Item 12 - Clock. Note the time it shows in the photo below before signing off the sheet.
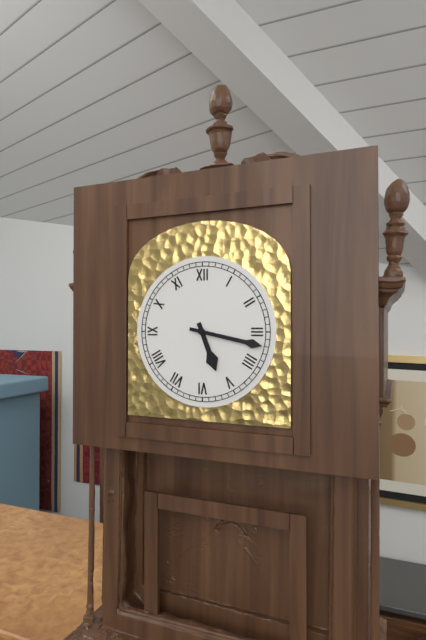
5:17
